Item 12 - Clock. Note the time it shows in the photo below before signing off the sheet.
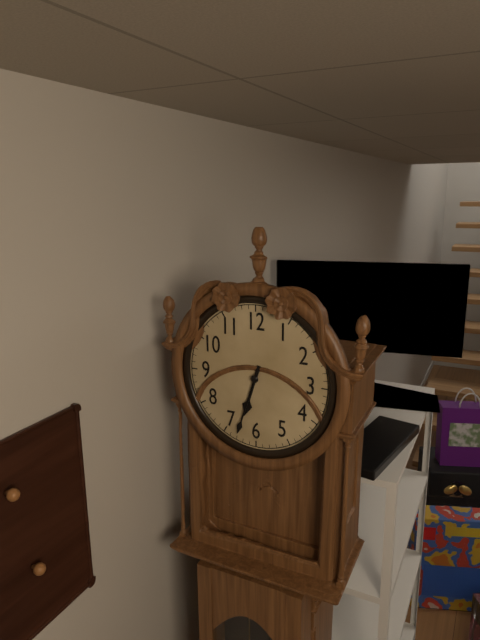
6:33
